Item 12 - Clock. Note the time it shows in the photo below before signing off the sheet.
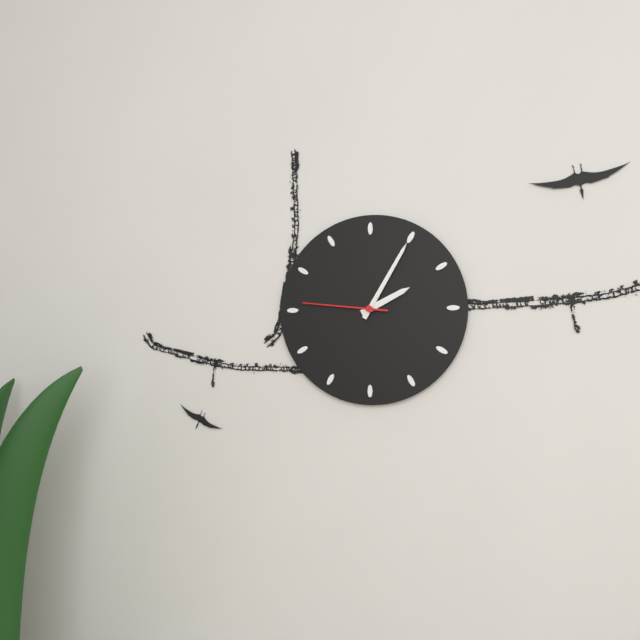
2:05:46
